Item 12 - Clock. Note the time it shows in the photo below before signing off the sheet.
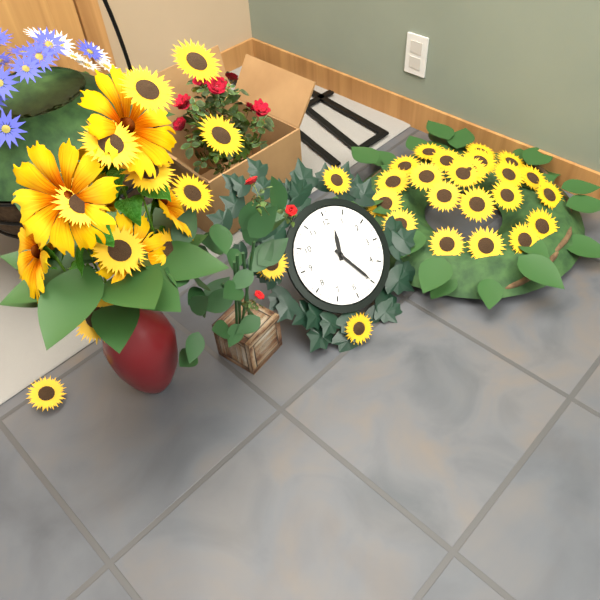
12:25
